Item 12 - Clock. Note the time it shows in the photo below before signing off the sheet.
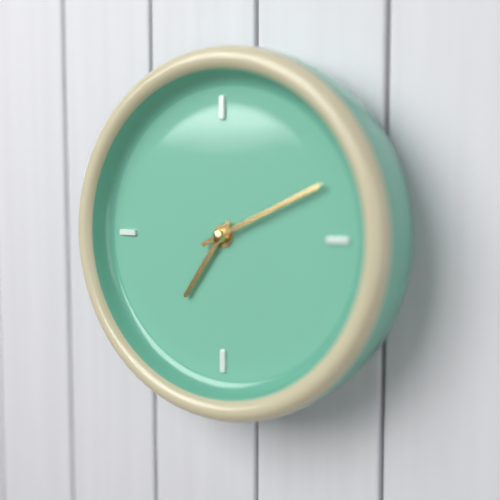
7:11
